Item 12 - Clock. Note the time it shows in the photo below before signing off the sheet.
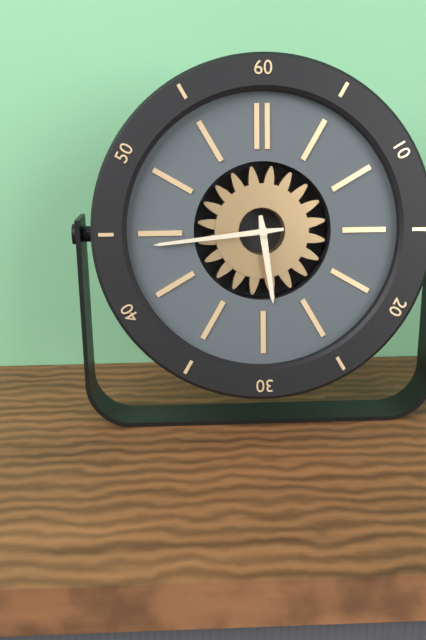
5:44
